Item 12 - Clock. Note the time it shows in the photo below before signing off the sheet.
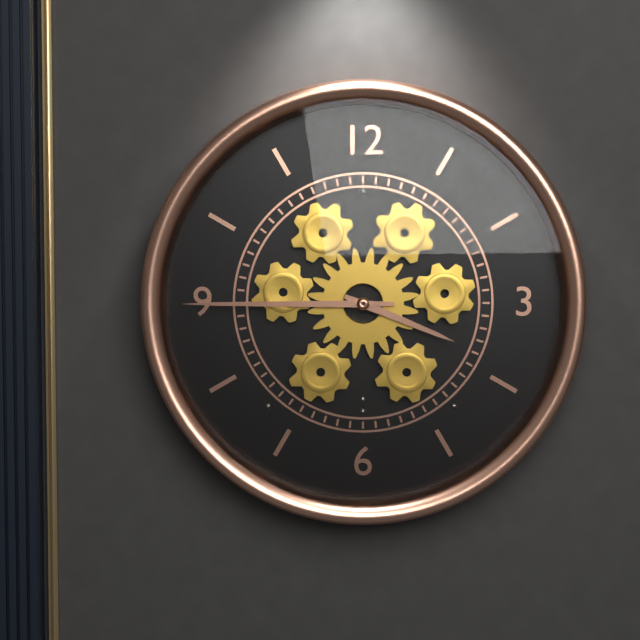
3:45
